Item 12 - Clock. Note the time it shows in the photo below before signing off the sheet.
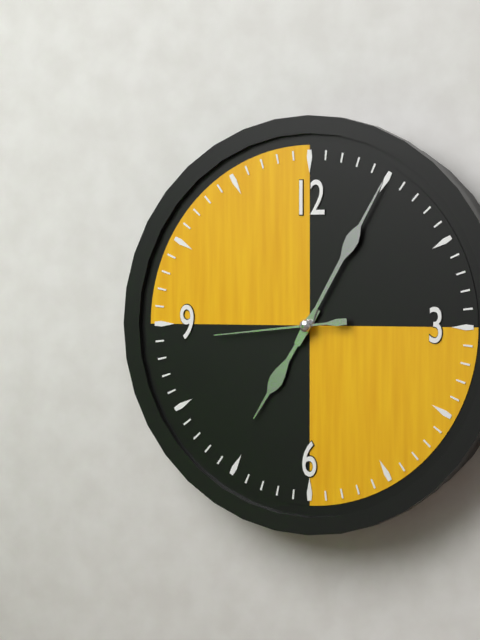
7:05:44
